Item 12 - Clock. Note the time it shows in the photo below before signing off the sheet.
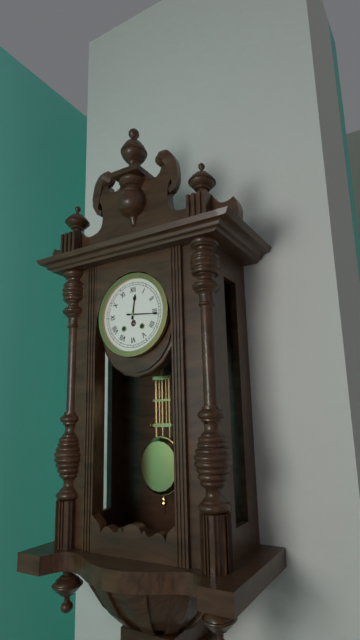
12:16
